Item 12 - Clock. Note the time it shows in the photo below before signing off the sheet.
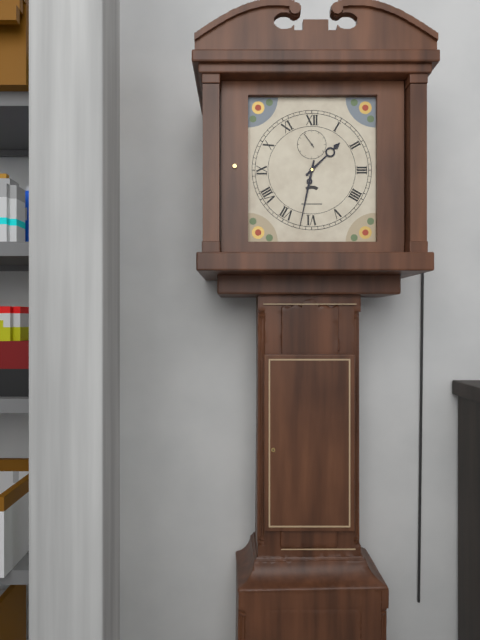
1:32
